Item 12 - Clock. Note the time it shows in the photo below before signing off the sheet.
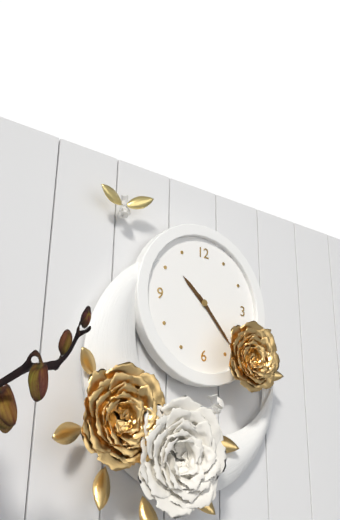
10:23
